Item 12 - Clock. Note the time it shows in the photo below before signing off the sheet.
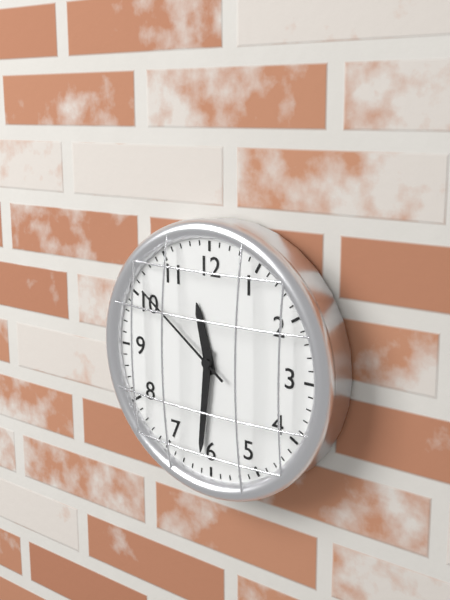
11:31:51
